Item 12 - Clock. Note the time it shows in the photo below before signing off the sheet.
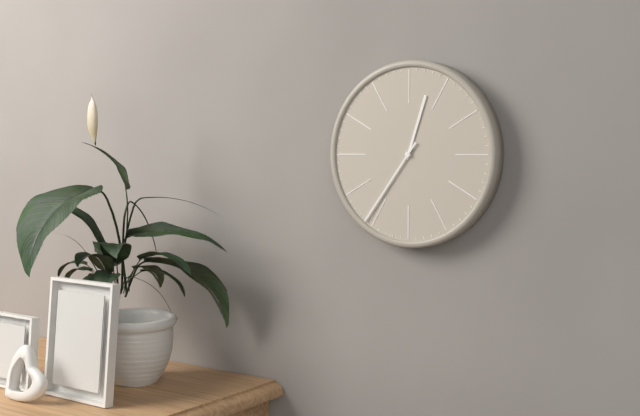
12:36
